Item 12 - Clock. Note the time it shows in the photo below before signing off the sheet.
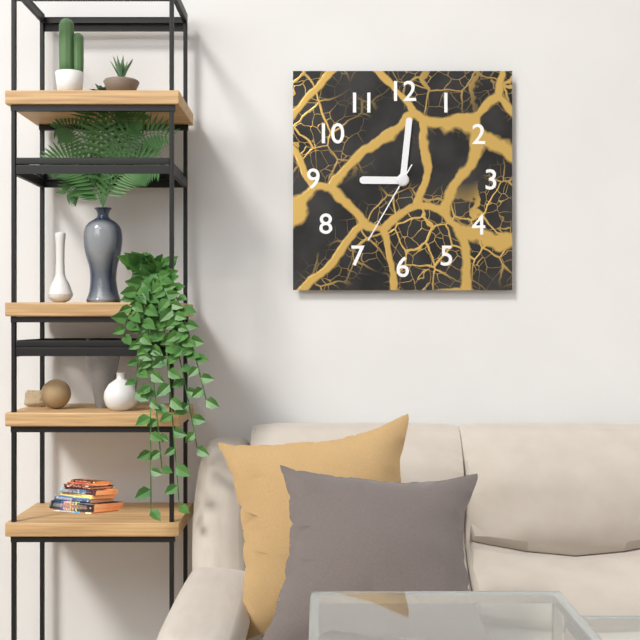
9:01:35
